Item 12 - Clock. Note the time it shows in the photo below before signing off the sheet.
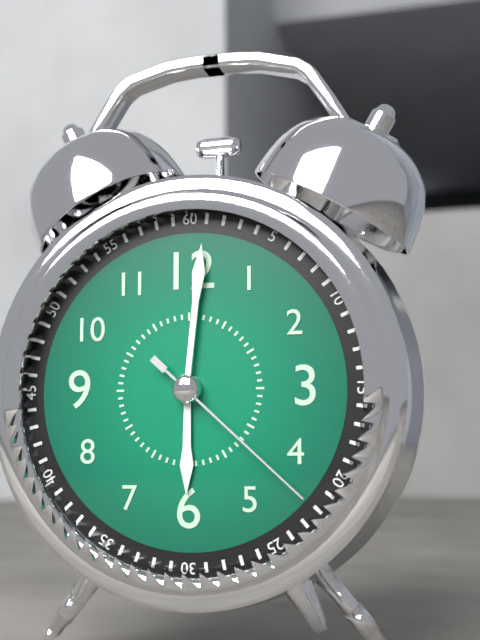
6:01:22
